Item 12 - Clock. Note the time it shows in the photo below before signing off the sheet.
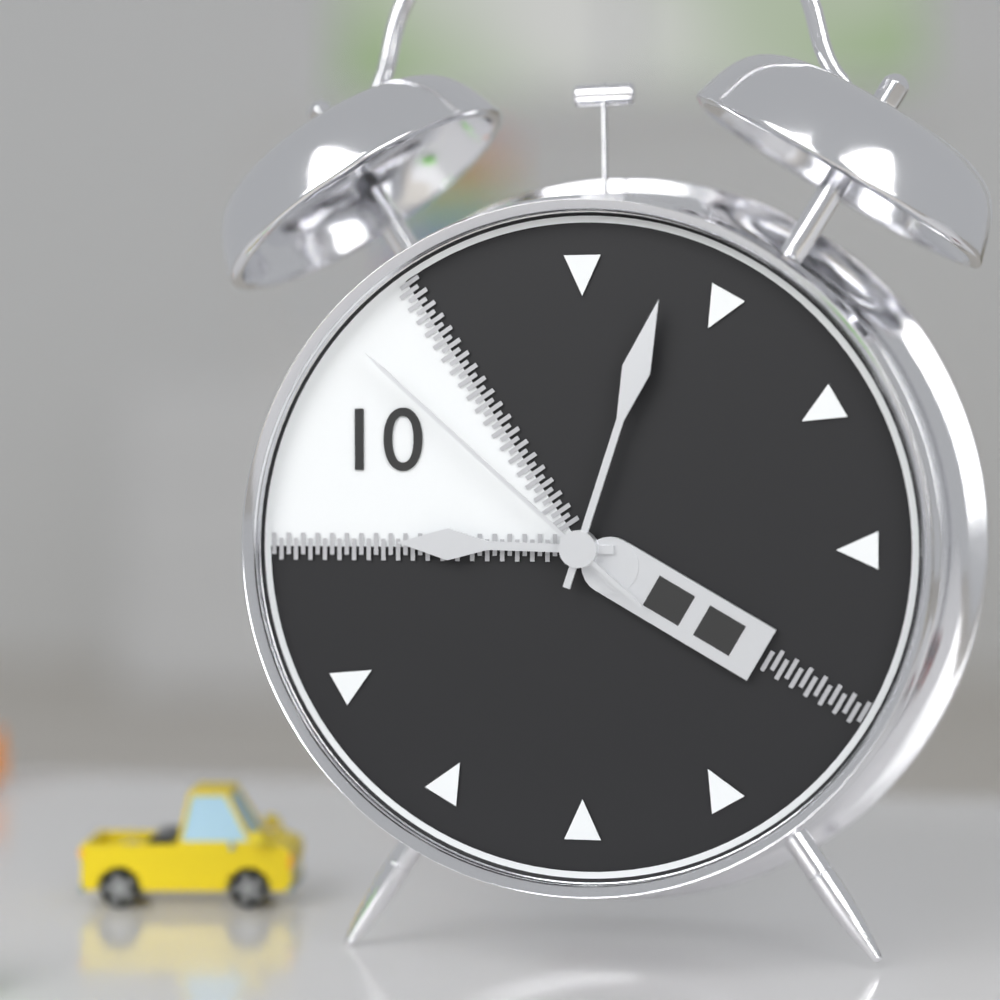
9:03:52
